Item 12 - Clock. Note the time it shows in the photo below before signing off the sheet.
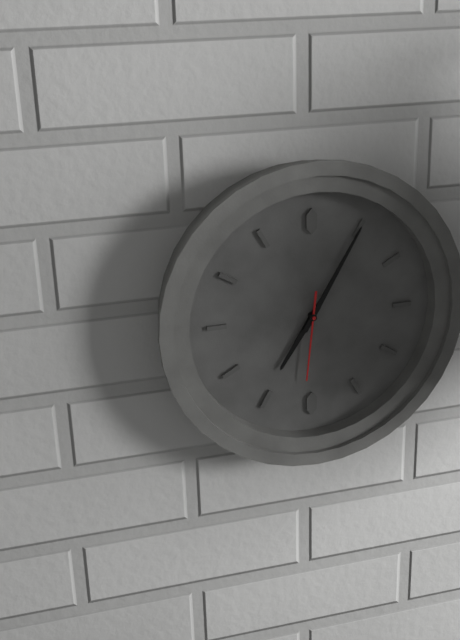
7:05:31
